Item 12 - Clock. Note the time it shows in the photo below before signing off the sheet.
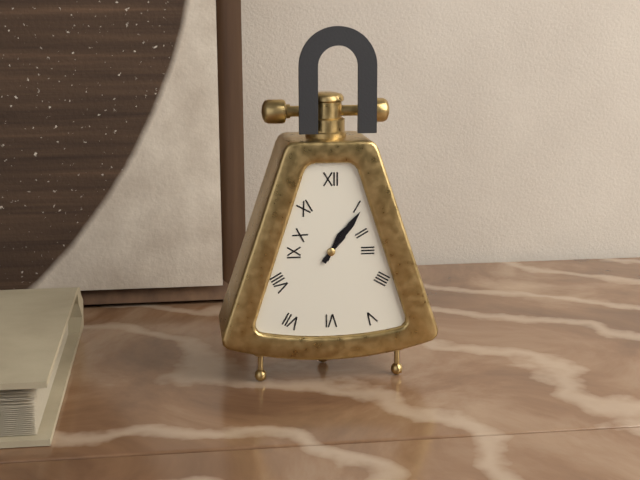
1:06
